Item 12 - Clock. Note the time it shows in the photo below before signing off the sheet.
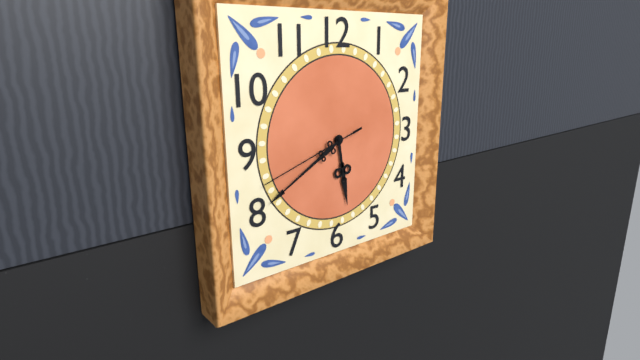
5:40:42
